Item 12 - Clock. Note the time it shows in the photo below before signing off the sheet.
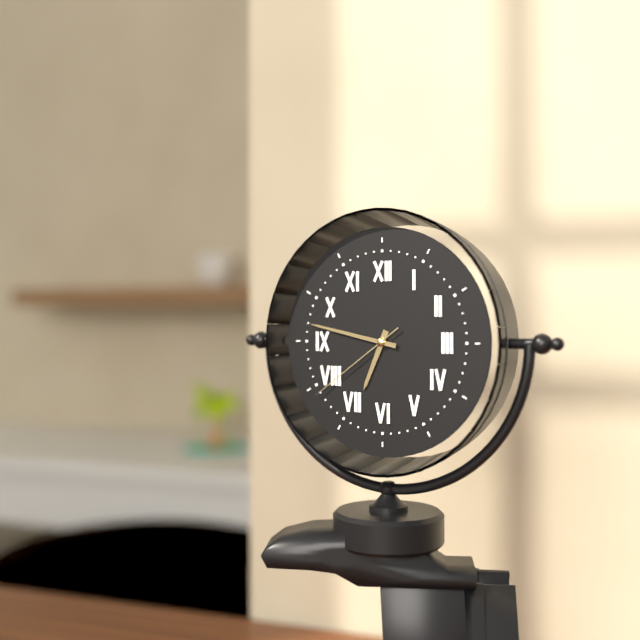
6:47:39
